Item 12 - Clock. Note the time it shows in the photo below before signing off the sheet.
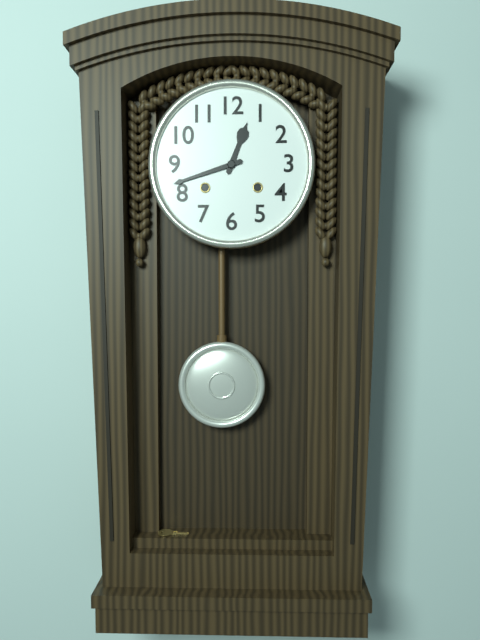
12:42
